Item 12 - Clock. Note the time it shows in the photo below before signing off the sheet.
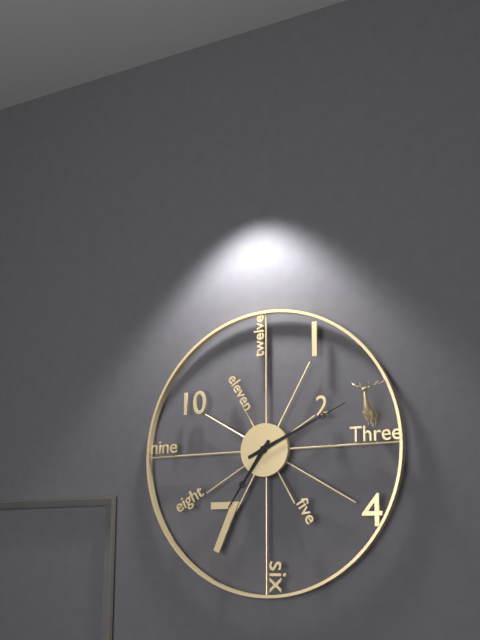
7:11
